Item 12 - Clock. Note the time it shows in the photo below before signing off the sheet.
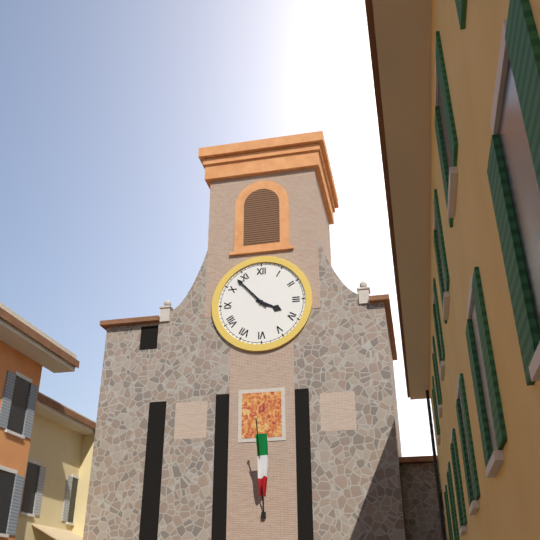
3:53
